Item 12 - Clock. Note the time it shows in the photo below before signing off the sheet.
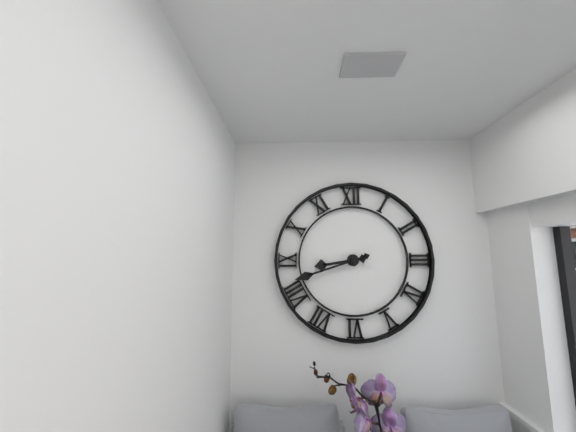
8:42
